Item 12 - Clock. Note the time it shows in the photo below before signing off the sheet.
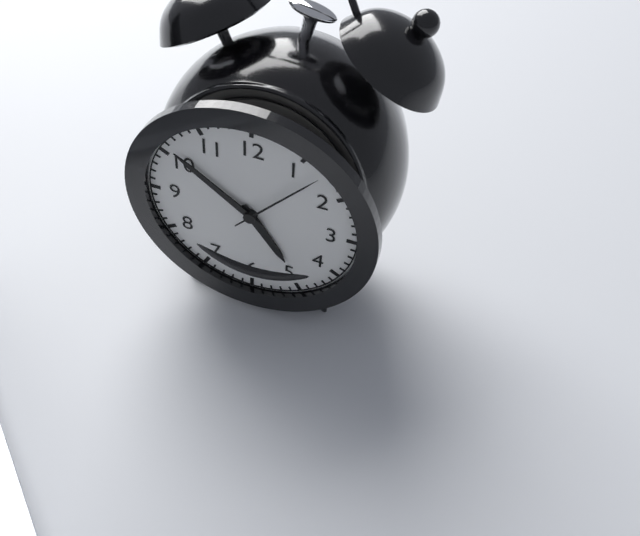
4:51:07
